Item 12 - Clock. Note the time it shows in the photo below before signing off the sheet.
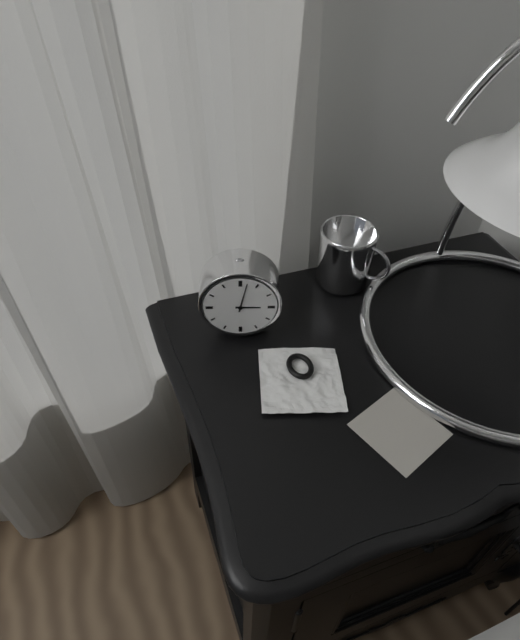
3:02
